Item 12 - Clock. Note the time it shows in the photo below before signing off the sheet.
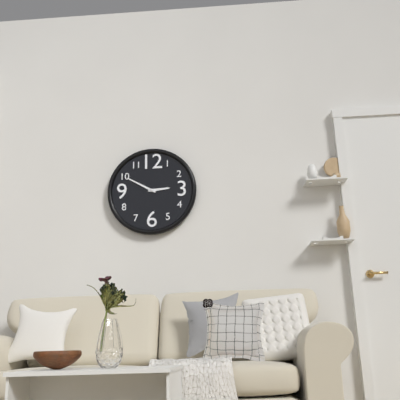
2:50
